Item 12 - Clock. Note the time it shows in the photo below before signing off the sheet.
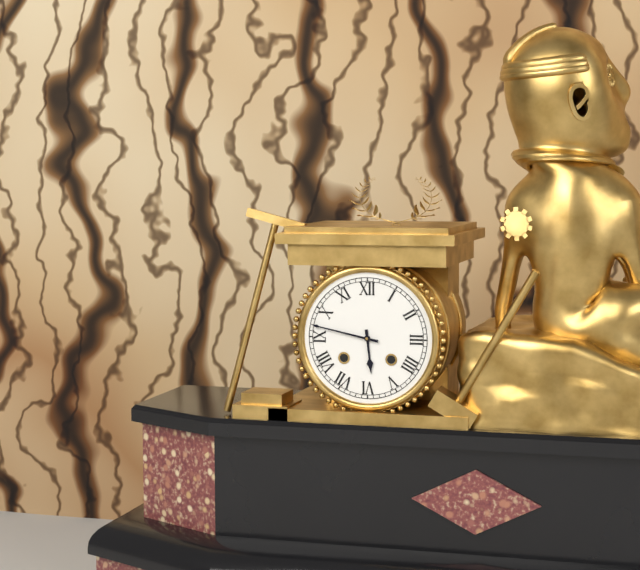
5:47
